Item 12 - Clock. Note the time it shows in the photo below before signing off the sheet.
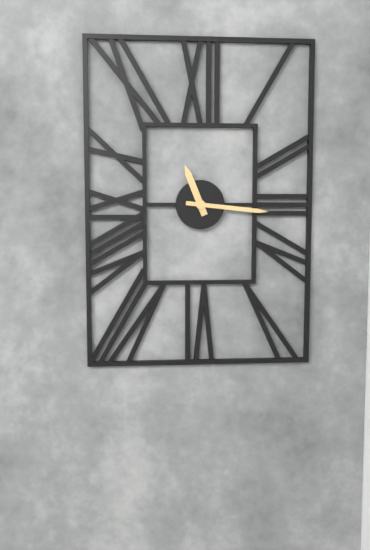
11:16
